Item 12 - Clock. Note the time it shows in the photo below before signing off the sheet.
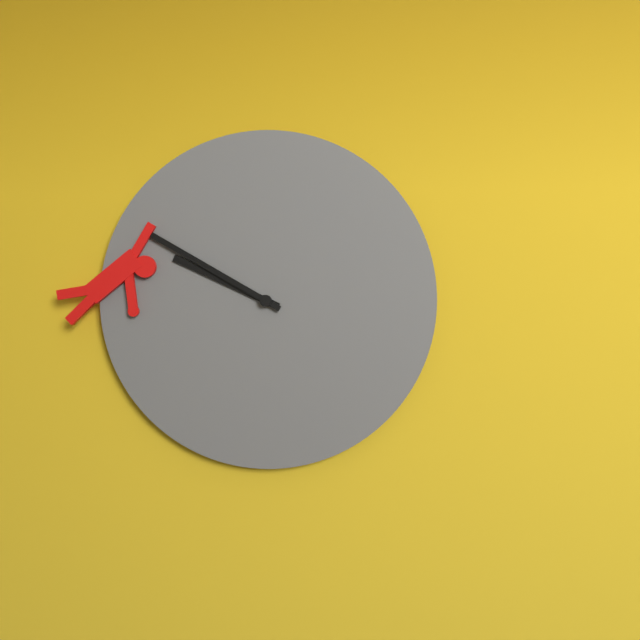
9:50
